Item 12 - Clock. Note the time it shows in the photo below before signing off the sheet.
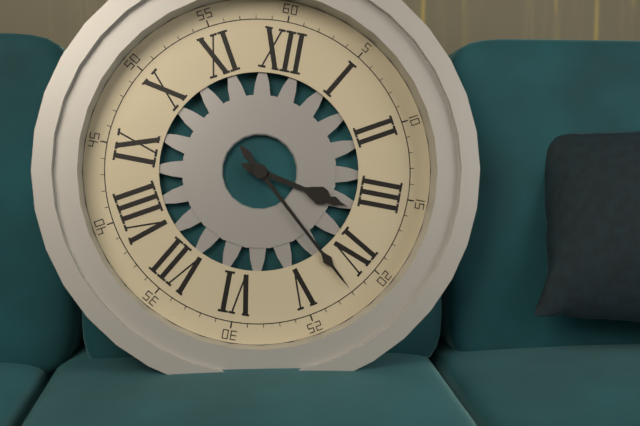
3:22
